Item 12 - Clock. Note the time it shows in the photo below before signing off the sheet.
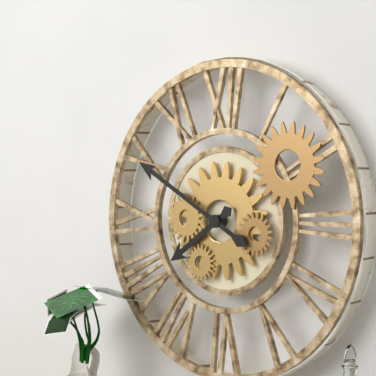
7:50
